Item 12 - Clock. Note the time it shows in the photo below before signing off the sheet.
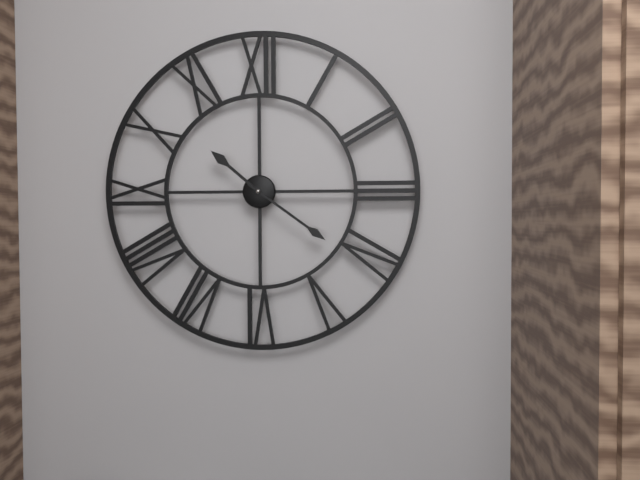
10:21
